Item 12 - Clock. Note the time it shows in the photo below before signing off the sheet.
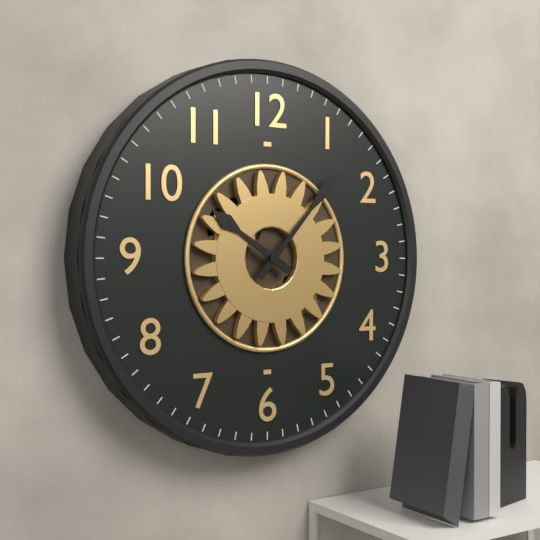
10:07
